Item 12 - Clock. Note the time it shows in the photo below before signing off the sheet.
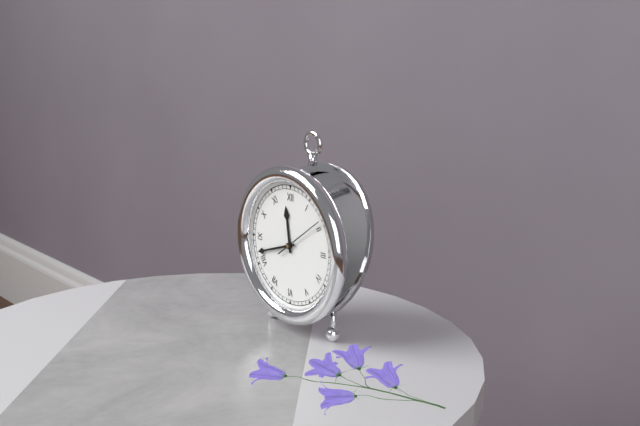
11:42
